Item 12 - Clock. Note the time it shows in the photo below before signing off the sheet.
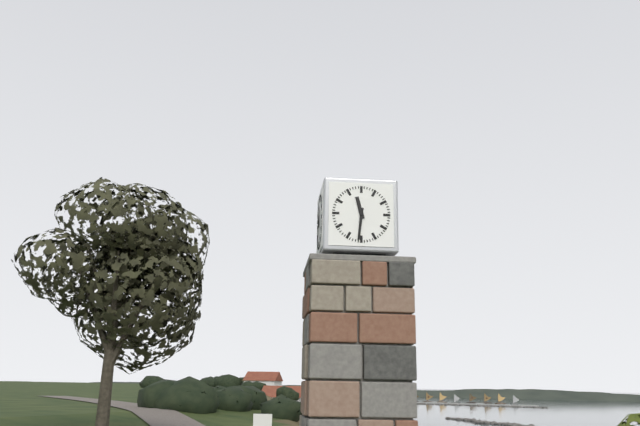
11:31
